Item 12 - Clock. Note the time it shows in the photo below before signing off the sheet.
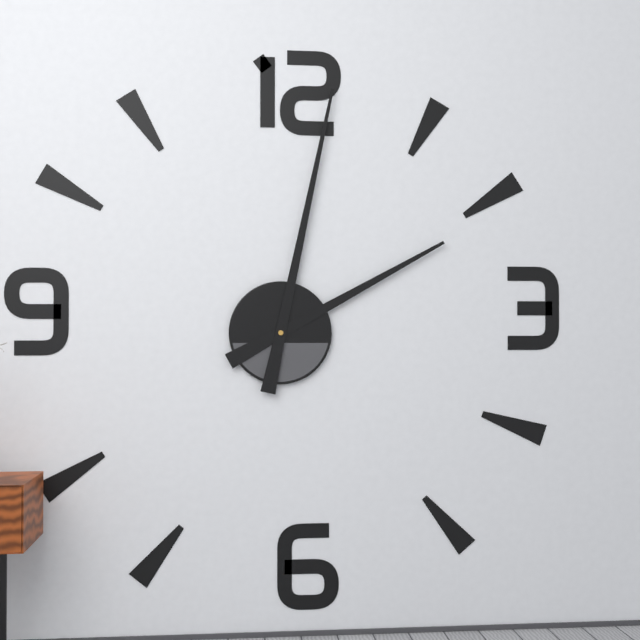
2:02
